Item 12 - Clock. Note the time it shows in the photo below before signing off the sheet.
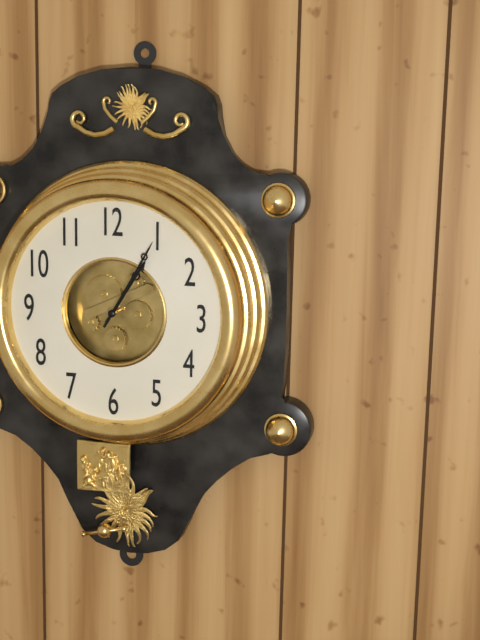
1:05
